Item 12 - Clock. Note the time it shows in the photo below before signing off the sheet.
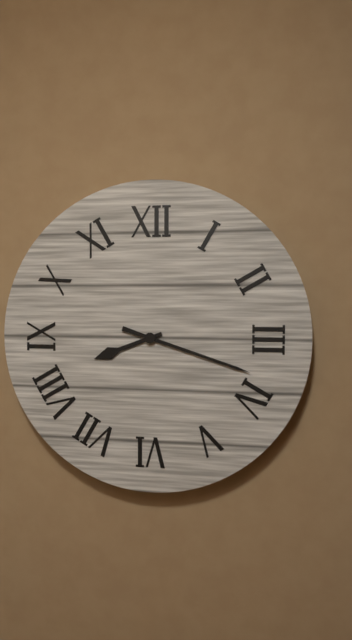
8:18
